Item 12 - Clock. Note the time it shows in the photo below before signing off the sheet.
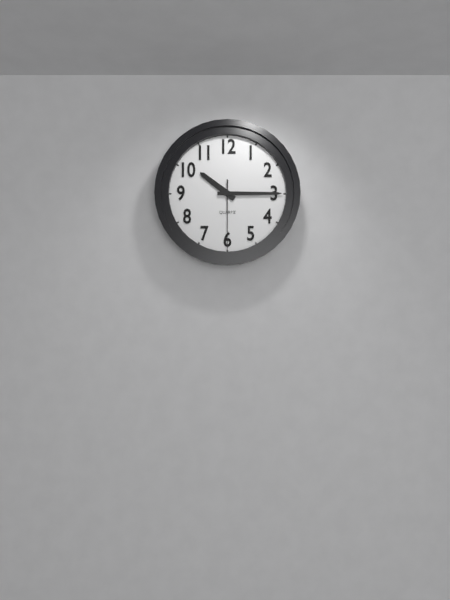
10:15:30
